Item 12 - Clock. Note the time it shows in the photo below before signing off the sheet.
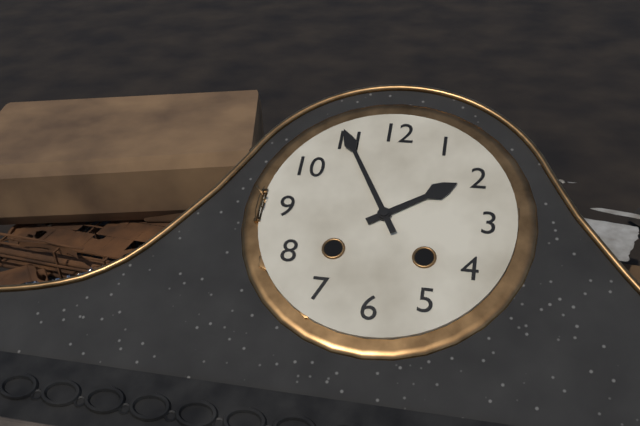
1:55
